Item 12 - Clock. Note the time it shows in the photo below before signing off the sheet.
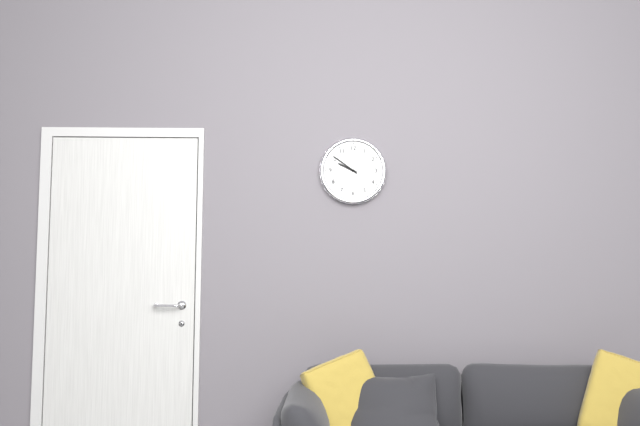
9:51
